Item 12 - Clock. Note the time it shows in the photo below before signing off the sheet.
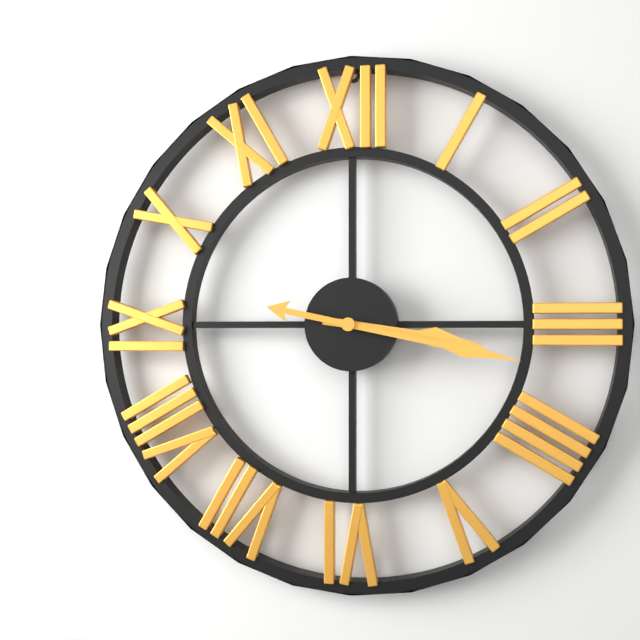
3:17
